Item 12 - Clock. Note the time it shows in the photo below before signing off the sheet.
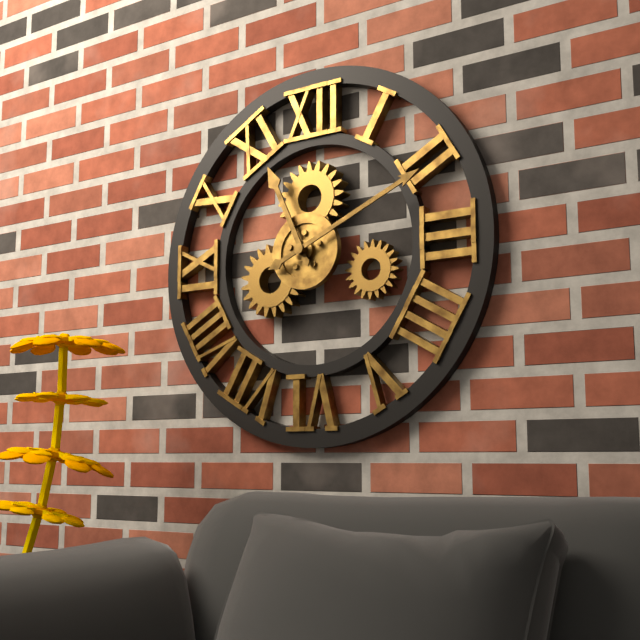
11:11
